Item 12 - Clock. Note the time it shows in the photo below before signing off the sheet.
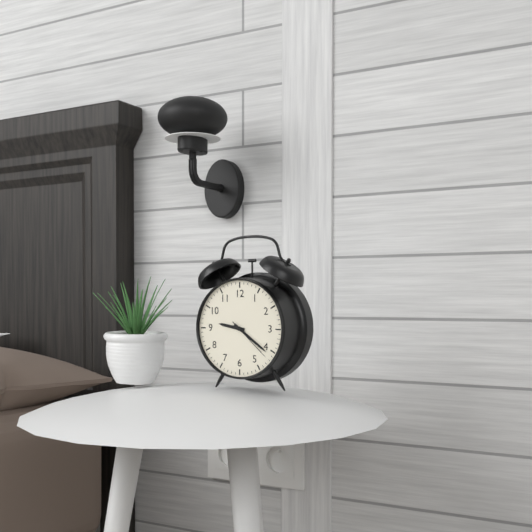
9:21
